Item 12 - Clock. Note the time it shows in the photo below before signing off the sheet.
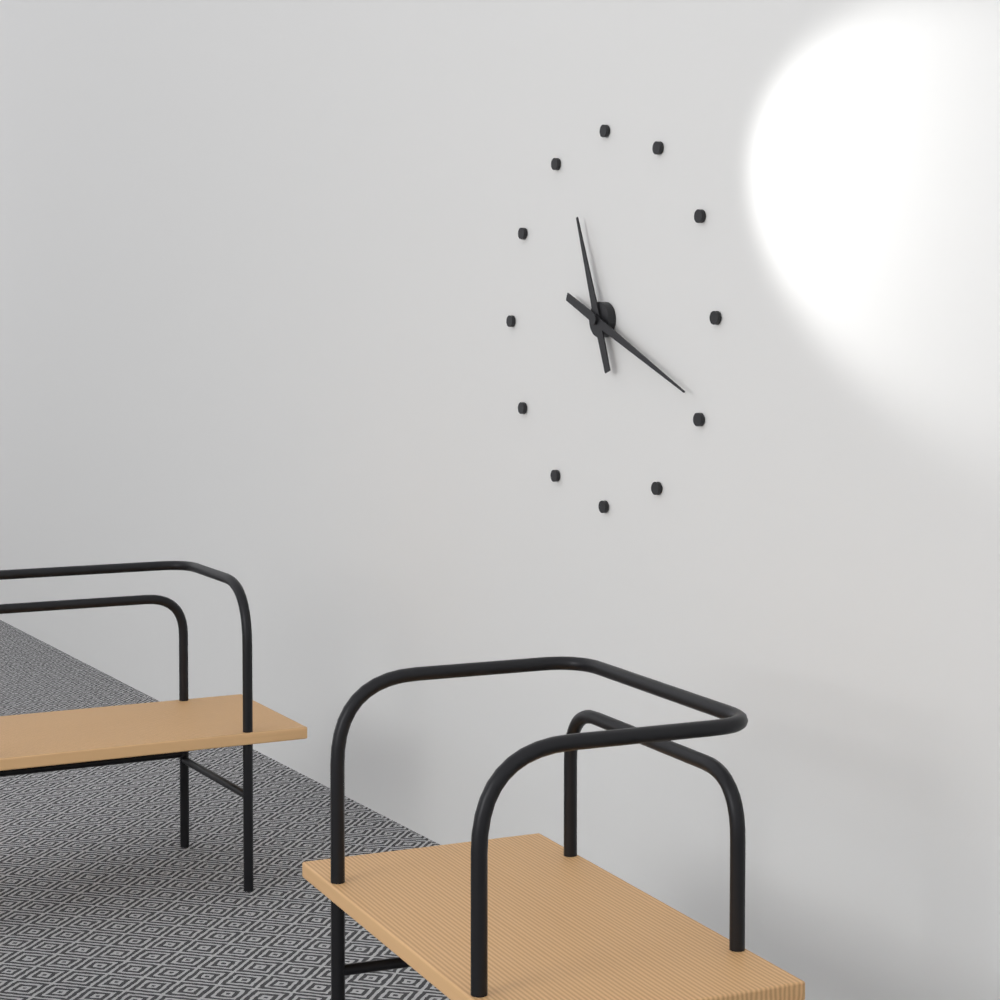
11:19
